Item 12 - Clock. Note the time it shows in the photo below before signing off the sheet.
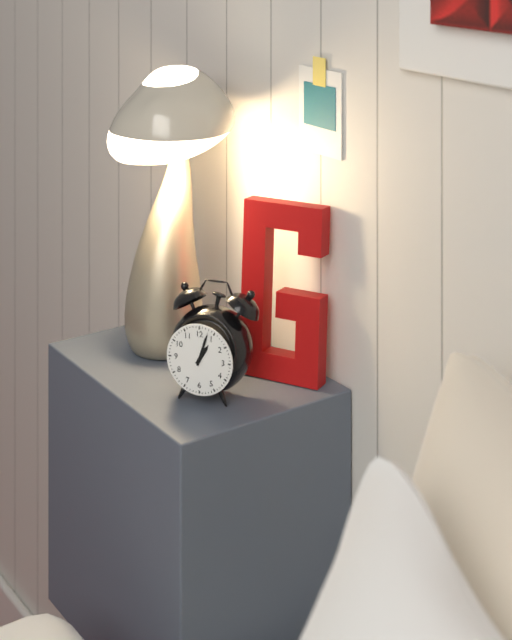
1:03
